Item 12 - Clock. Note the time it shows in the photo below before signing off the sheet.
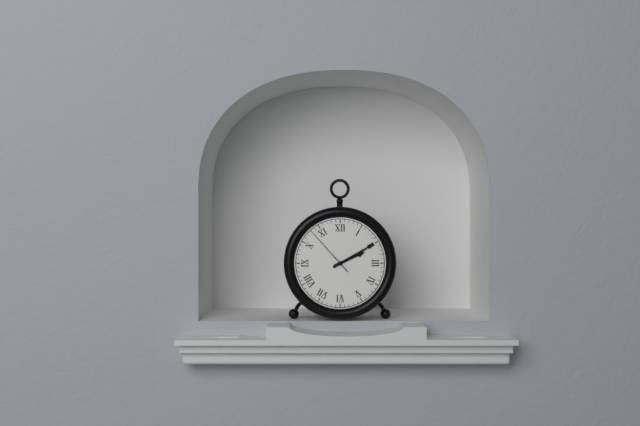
2:10:53
